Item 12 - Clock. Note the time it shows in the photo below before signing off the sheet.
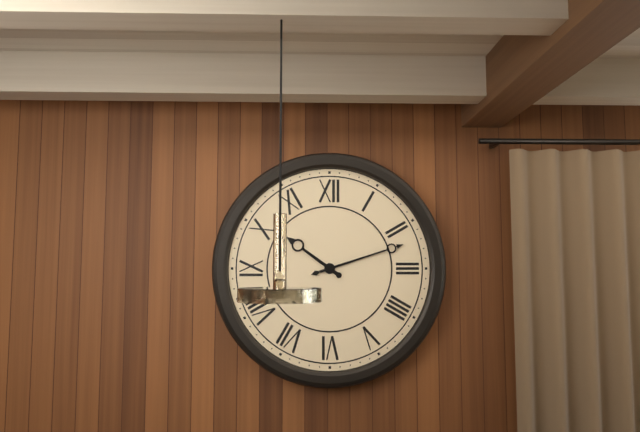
10:12
